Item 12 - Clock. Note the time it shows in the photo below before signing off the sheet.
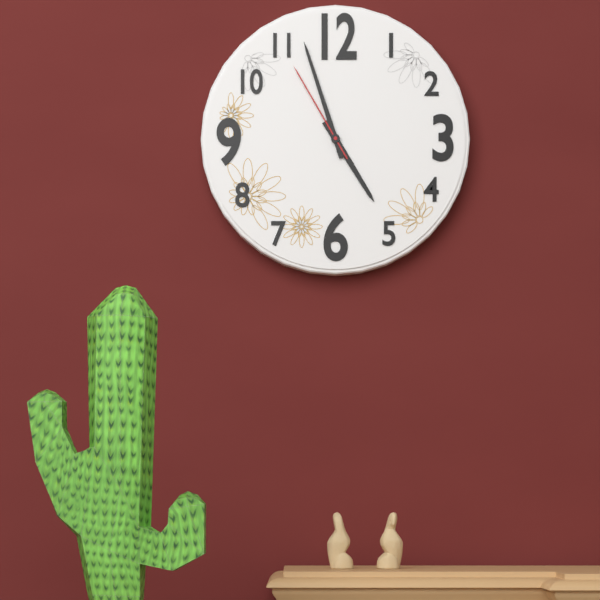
4:57:55
